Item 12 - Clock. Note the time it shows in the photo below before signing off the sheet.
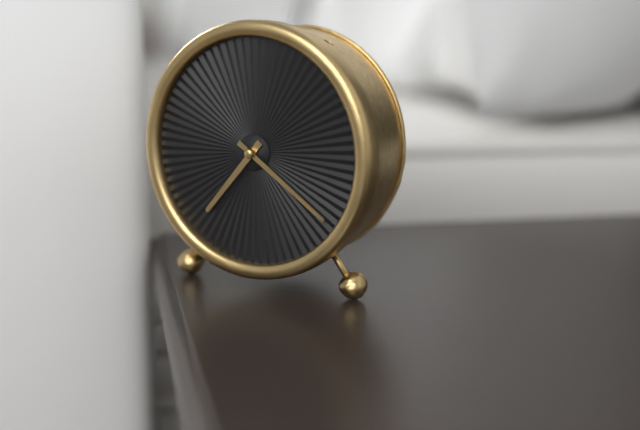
7:21
